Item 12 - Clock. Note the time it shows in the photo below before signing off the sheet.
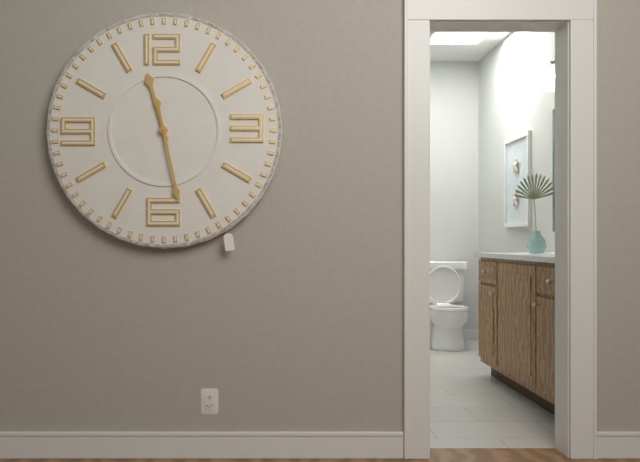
11:28
